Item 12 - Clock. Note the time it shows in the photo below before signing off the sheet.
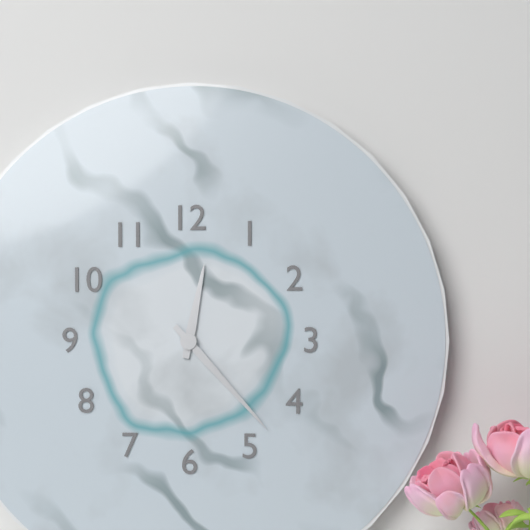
12:23
